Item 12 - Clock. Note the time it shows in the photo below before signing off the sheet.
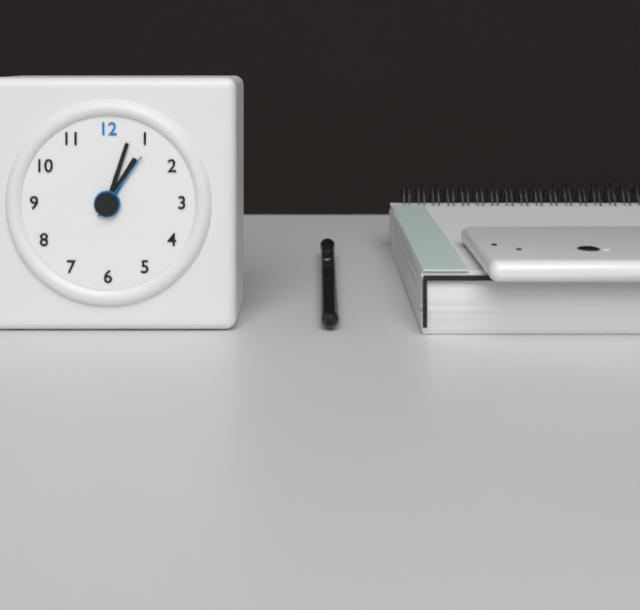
1:03:06
